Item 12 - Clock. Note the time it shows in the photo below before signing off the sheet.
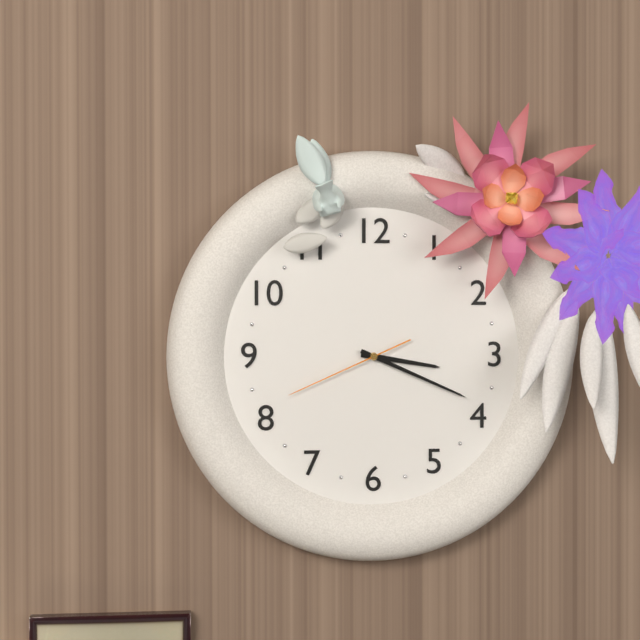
3:19:41
